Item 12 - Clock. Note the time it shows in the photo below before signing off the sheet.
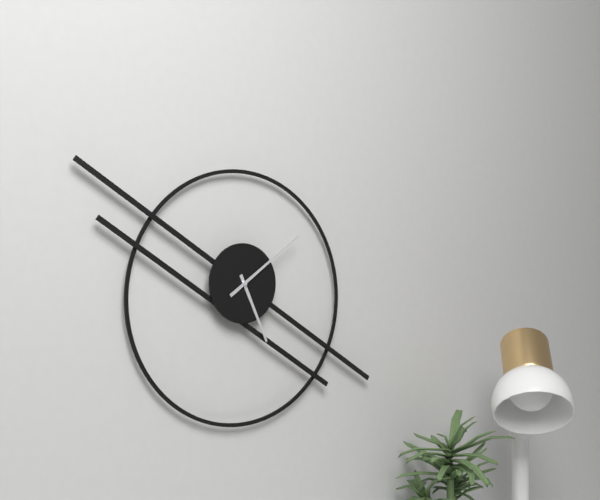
5:09
